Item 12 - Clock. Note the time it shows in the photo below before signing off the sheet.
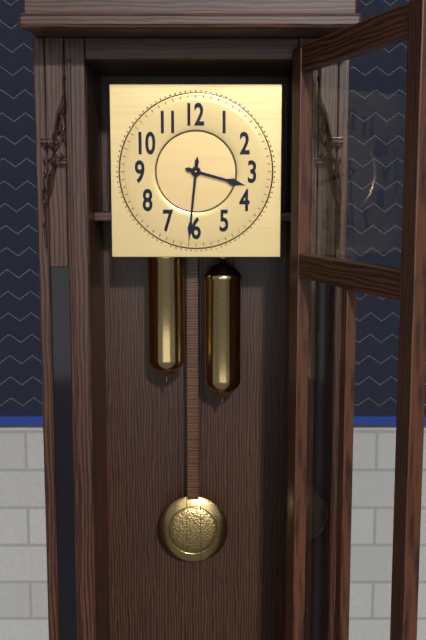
3:31
